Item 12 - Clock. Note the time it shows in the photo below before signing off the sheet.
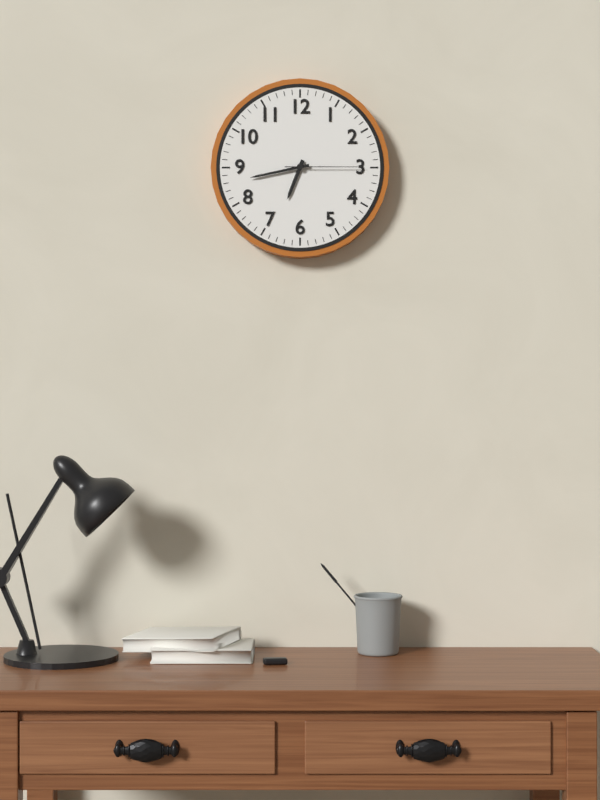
6:43:15
